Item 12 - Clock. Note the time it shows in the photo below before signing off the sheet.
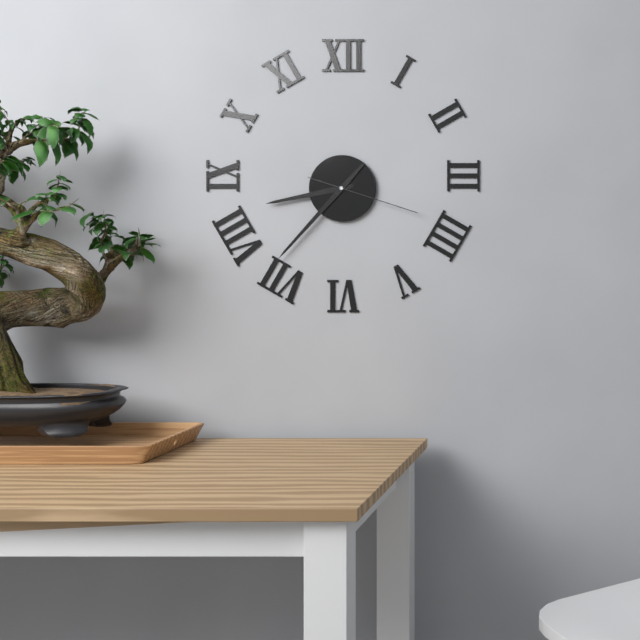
8:37:18
